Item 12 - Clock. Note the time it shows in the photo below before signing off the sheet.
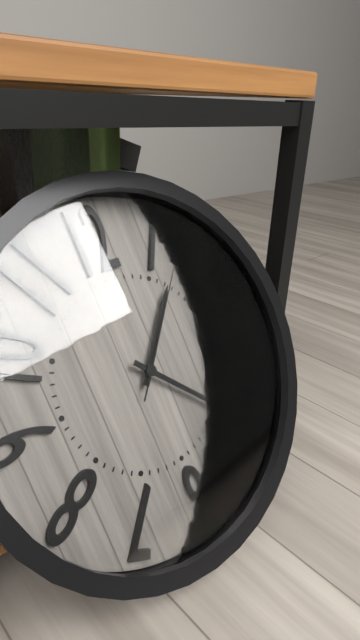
1:23:07
